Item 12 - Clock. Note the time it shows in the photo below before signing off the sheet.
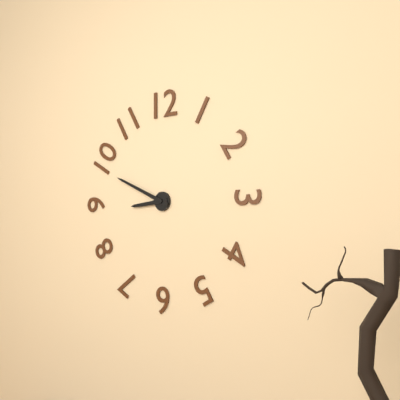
8:49
